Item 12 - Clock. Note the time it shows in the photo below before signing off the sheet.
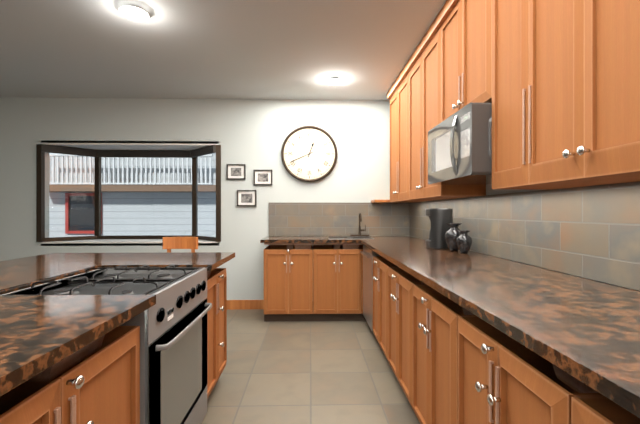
12:41
